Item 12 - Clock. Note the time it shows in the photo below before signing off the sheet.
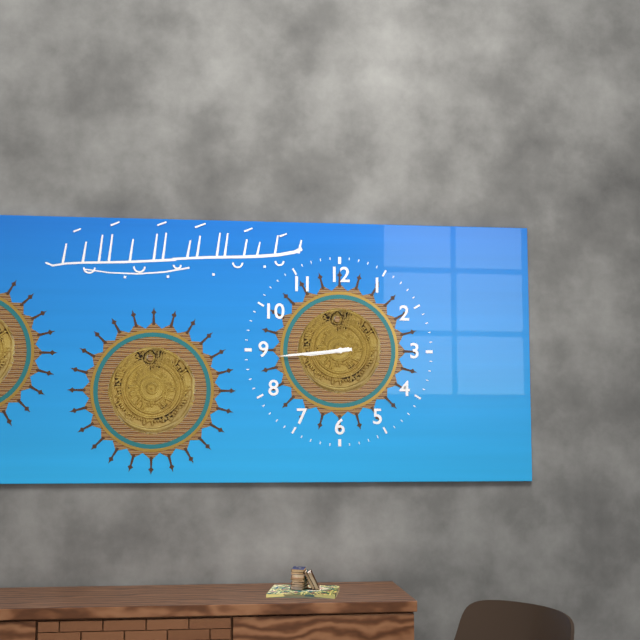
8:44
